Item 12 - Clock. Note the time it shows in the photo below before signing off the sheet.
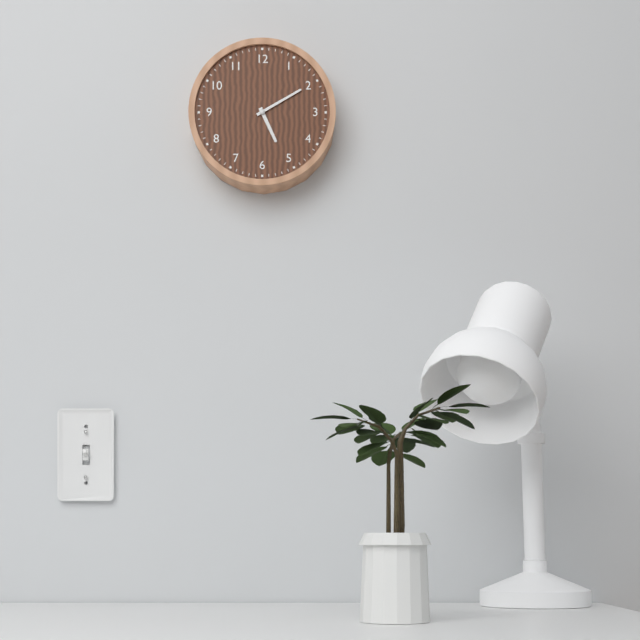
5:10
